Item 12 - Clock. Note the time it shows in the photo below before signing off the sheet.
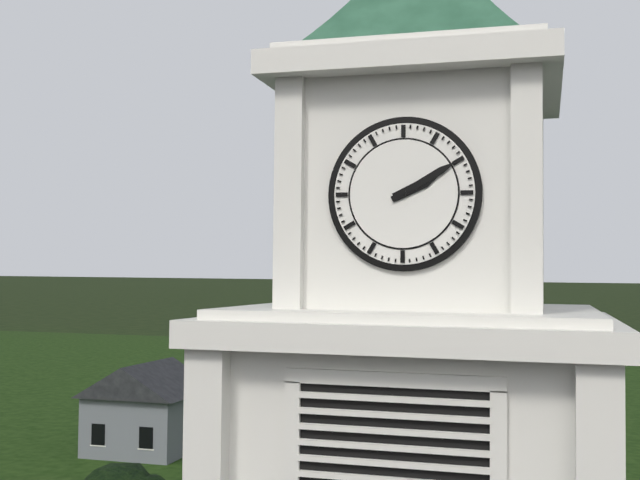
2:10
